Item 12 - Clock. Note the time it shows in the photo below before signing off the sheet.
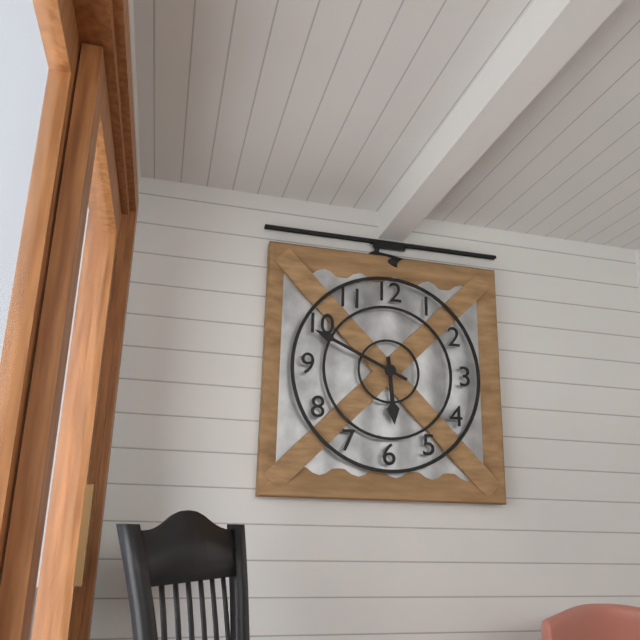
5:49
